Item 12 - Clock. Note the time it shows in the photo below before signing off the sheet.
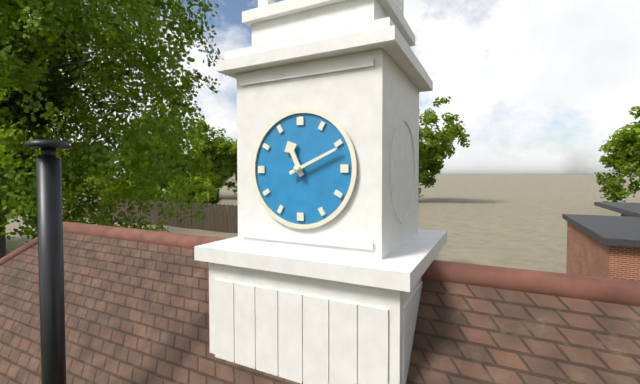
11:11
